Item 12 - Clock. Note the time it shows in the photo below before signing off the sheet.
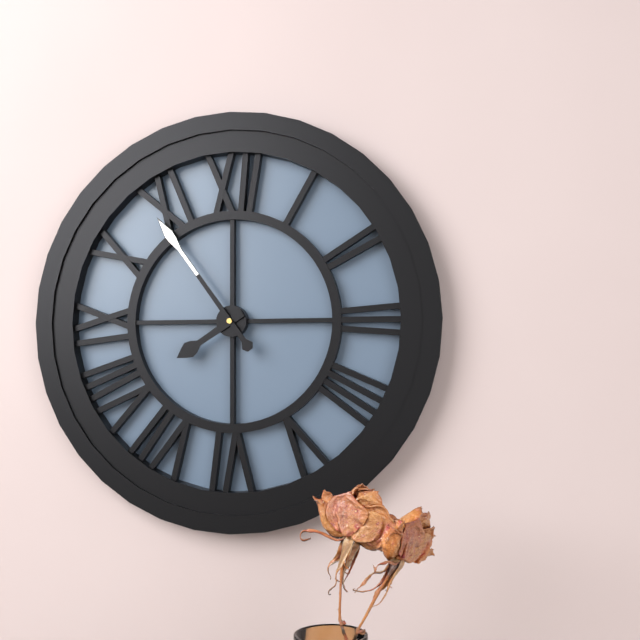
7:54
